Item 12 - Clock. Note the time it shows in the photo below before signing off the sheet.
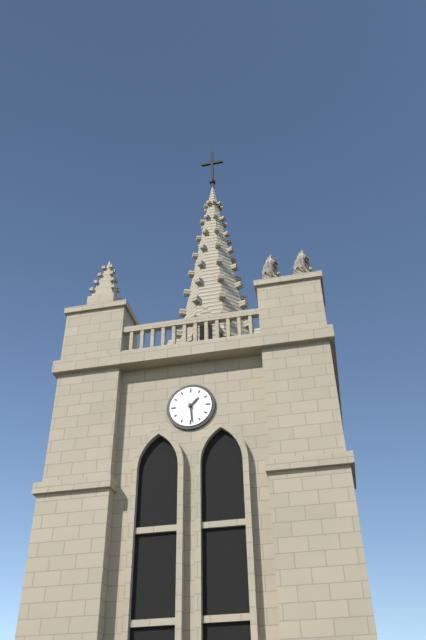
1:29
